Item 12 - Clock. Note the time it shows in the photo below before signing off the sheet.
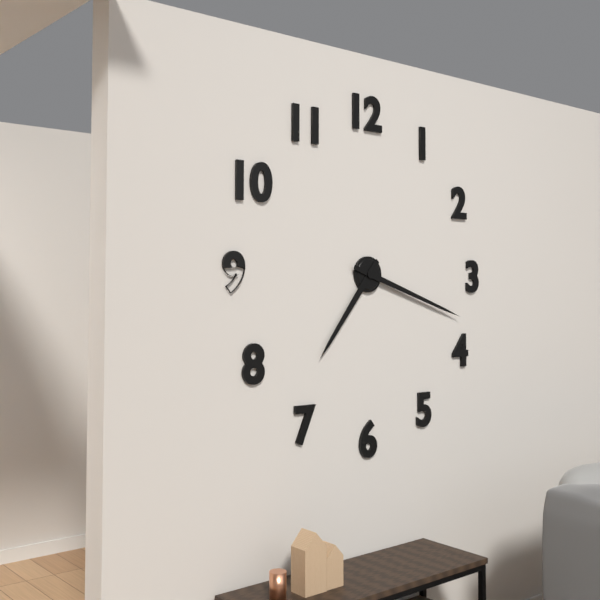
7:18
